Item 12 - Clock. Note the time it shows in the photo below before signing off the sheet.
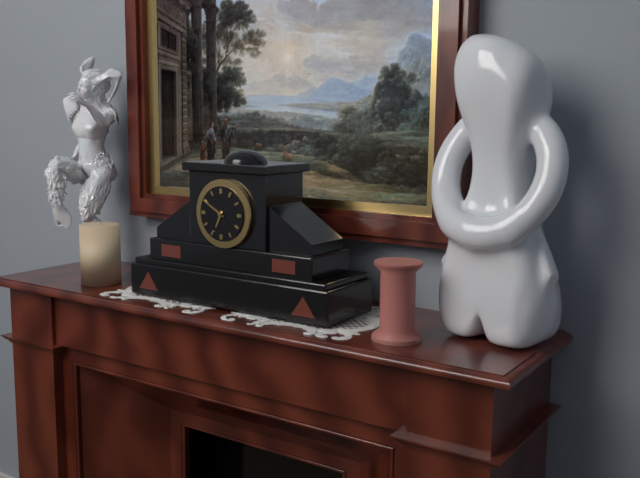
6:50
